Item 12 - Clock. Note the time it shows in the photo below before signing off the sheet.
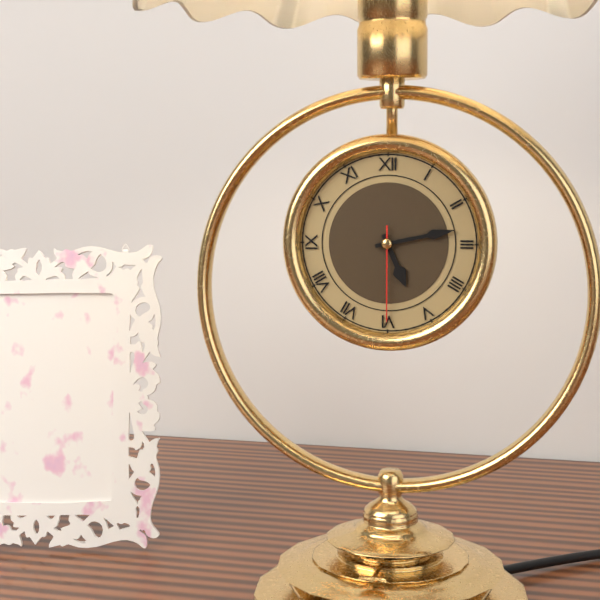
5:13:30
